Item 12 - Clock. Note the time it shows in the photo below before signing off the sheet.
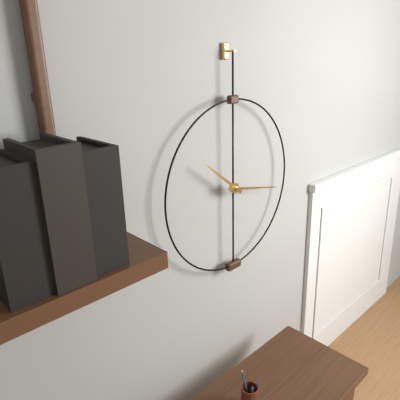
10:17
